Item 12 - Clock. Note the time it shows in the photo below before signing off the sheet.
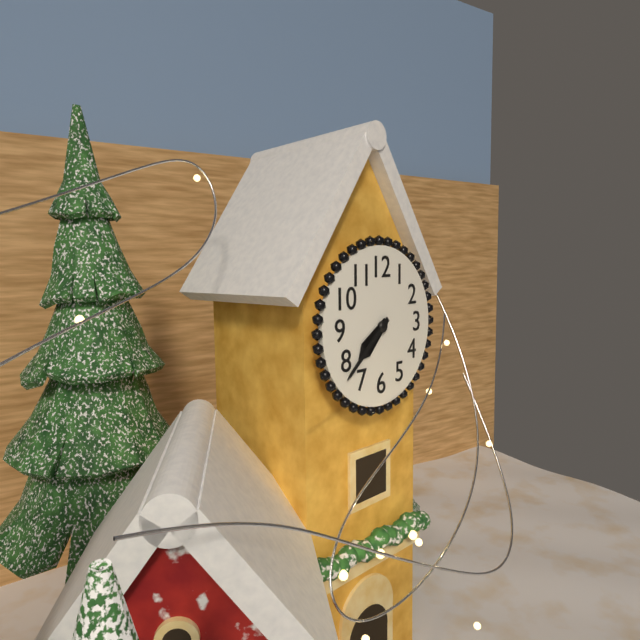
7:38
